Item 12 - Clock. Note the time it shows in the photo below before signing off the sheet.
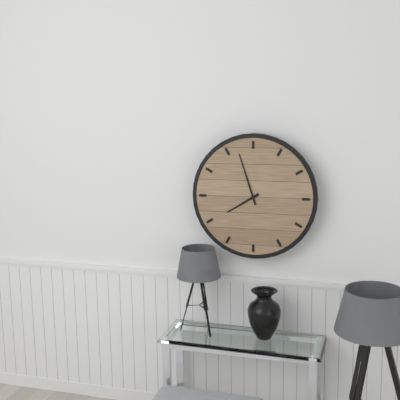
7:57
